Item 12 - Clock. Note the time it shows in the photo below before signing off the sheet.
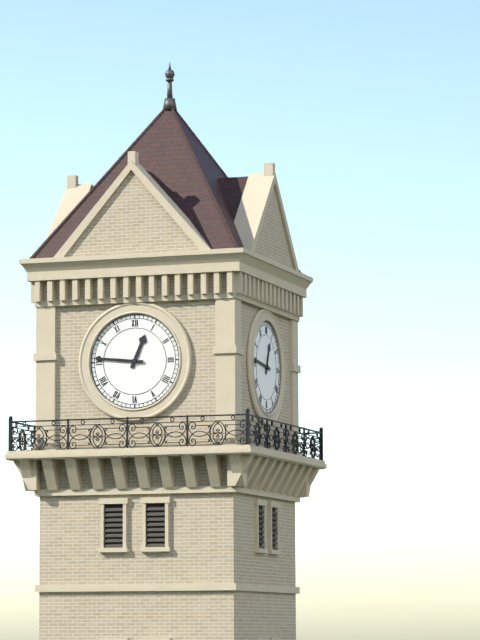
12:46
